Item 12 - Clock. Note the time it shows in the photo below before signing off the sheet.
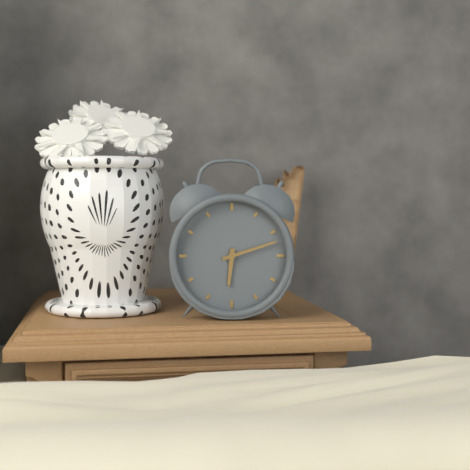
6:12
